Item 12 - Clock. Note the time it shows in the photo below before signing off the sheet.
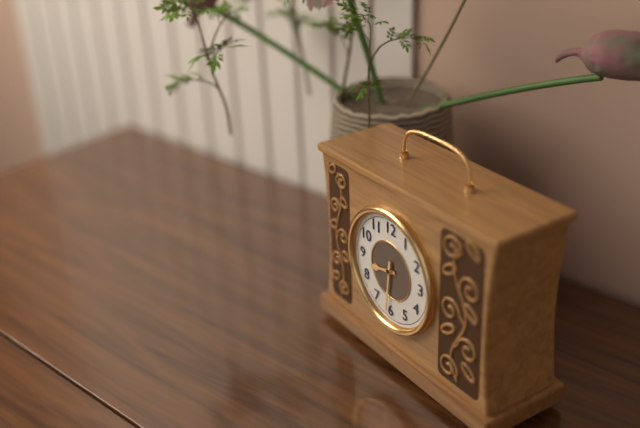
8:31
